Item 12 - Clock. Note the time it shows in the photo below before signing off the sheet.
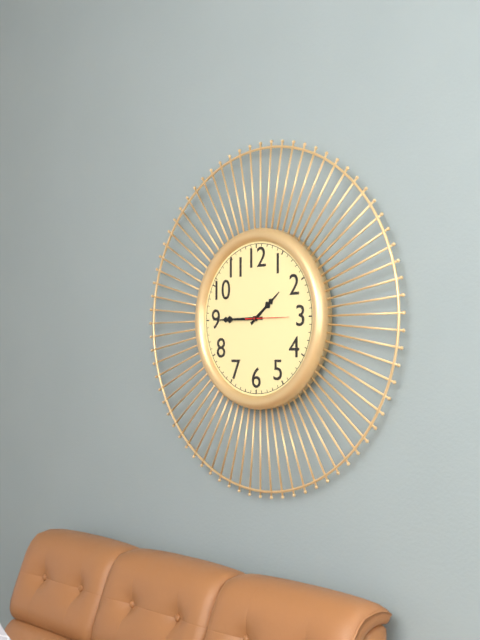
1:45
